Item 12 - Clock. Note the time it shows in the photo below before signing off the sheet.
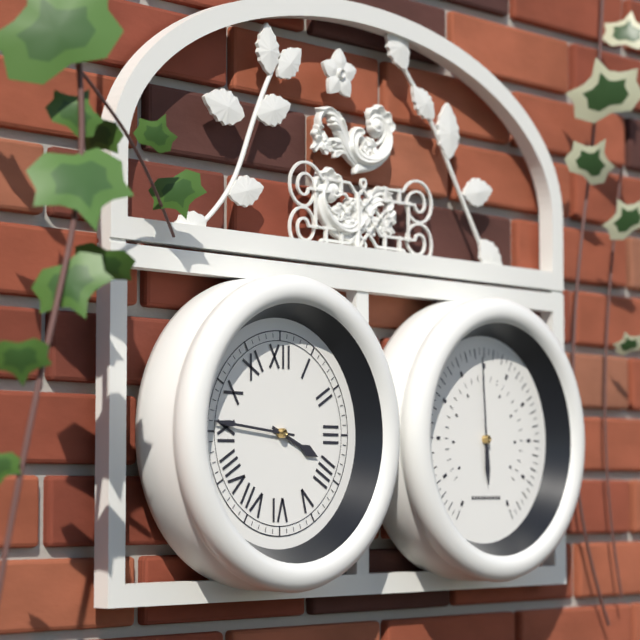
3:46
